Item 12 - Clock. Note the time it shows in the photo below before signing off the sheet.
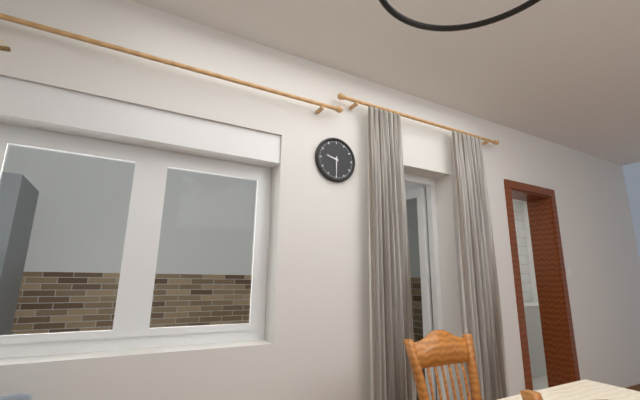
9:30
